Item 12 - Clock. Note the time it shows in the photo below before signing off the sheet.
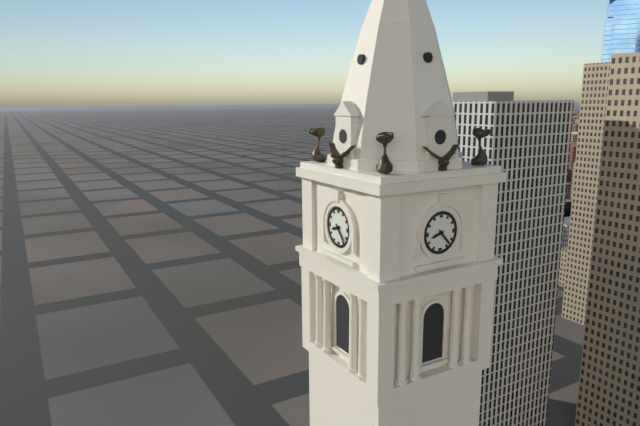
8:23
